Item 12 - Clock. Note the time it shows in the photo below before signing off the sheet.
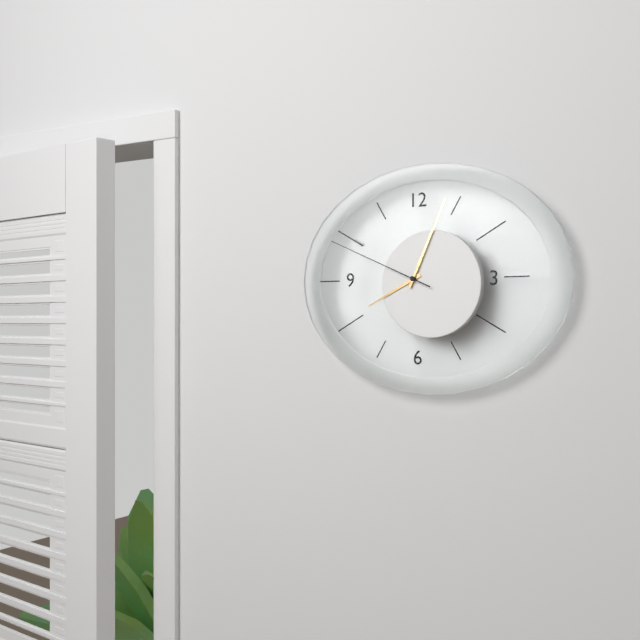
8:04:49
